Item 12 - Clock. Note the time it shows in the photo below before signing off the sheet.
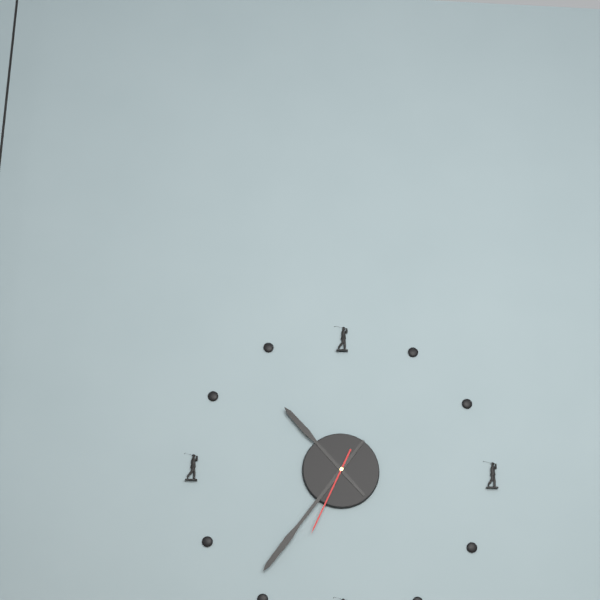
10:36:34
